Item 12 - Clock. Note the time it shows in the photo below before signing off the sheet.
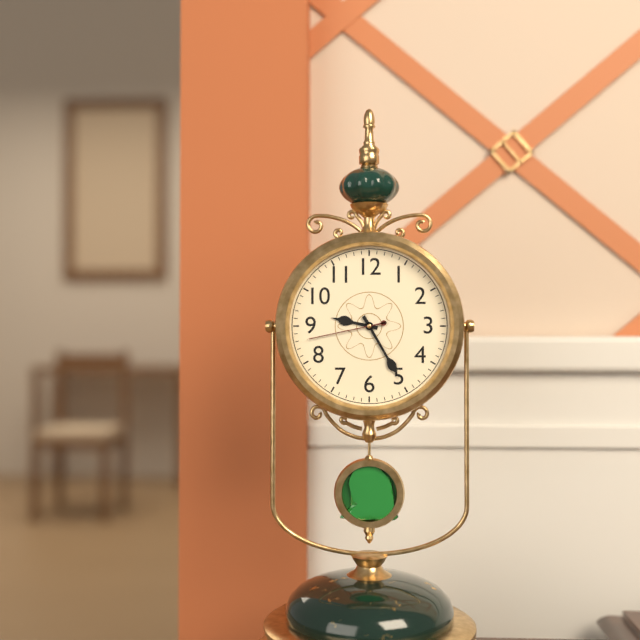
9:25:43
